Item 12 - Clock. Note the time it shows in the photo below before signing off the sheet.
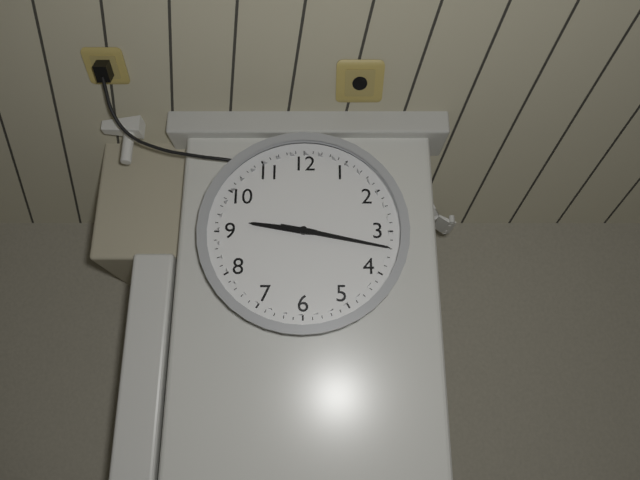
9:17
